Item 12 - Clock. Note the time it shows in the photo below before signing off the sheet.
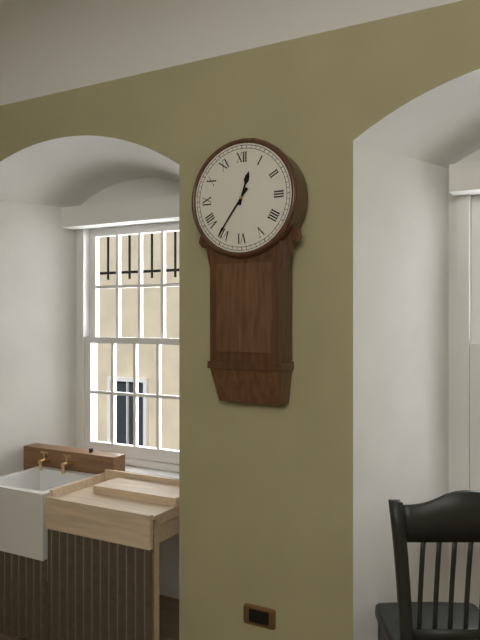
12:36
